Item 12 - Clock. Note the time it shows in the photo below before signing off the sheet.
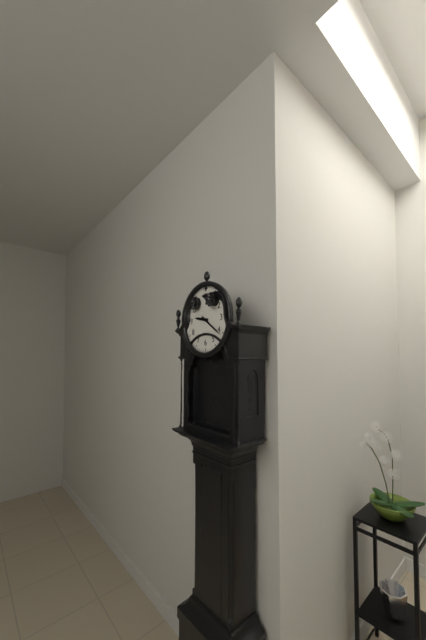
9:21
